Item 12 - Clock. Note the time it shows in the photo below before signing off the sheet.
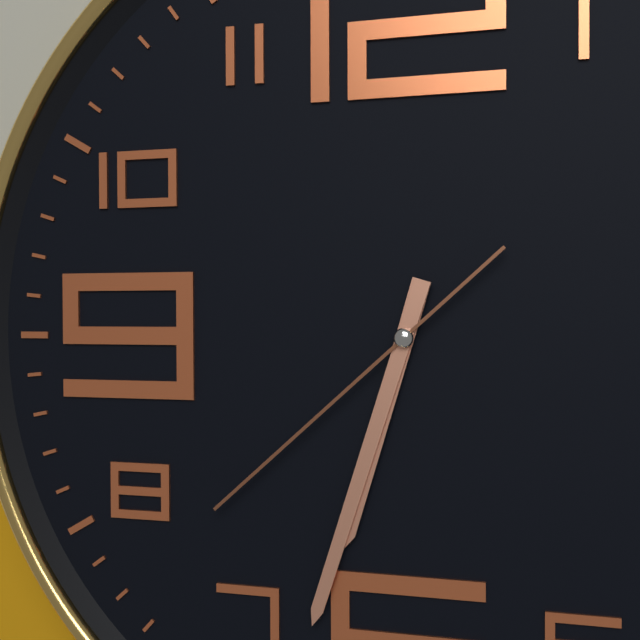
6:33:38
